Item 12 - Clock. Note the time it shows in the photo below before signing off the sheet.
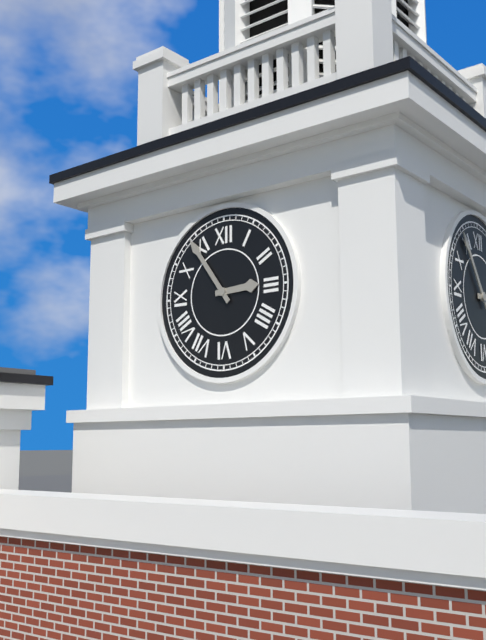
2:54
